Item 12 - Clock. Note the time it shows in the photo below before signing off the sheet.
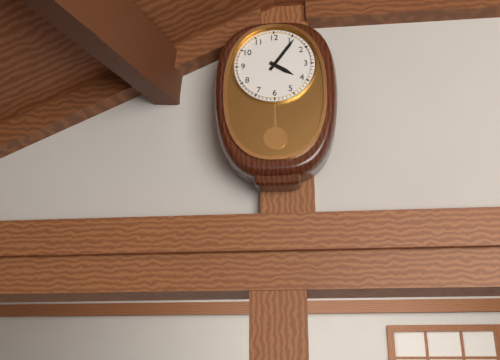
4:06
